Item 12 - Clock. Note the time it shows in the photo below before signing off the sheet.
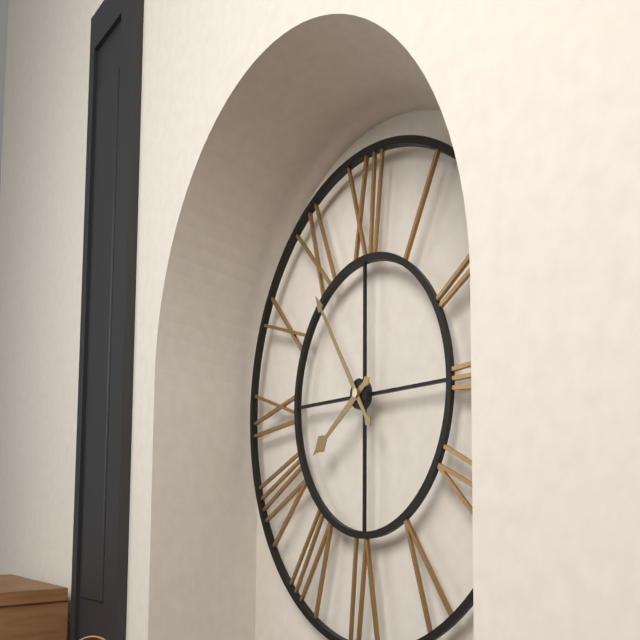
7:54
